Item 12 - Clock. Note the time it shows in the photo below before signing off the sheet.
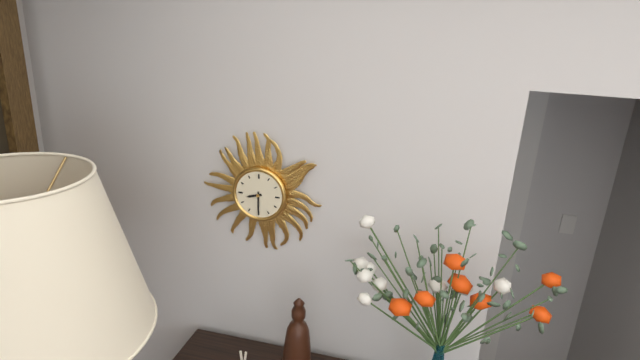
8:30
